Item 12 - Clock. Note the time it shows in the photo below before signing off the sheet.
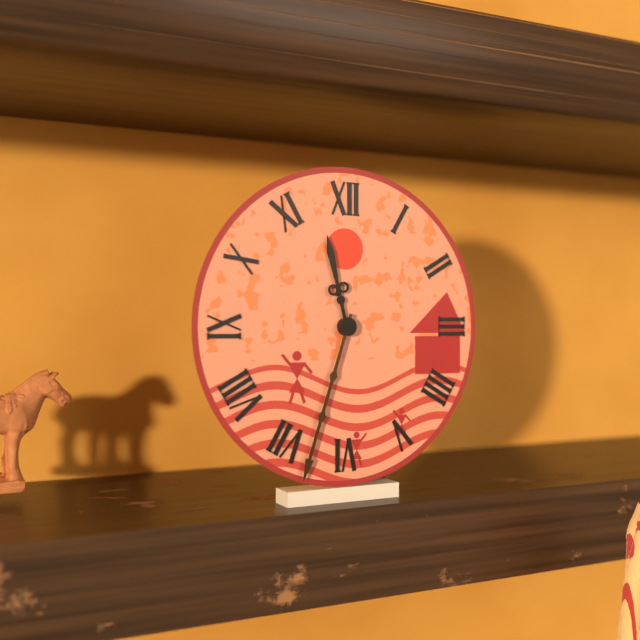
11:33
